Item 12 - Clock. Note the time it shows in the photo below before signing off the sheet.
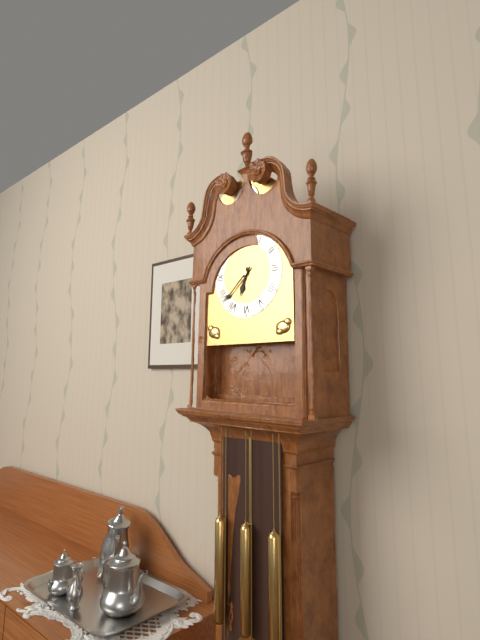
6:38
